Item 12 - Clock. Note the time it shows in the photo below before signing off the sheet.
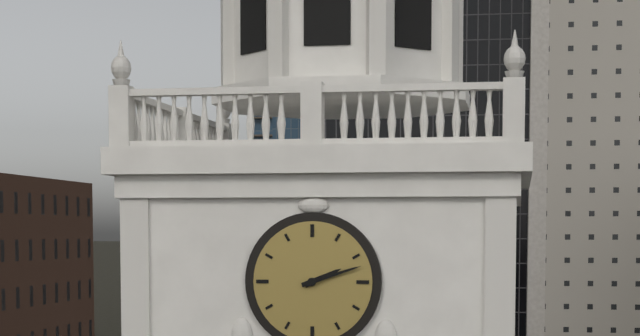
2:12
